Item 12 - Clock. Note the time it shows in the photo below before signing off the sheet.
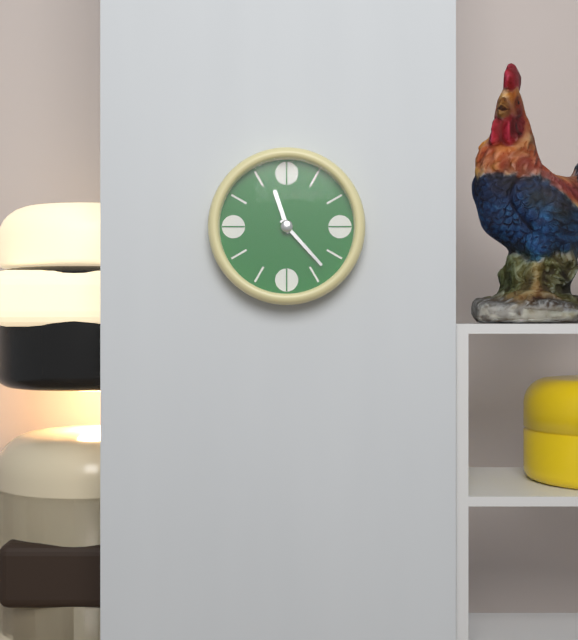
11:23
